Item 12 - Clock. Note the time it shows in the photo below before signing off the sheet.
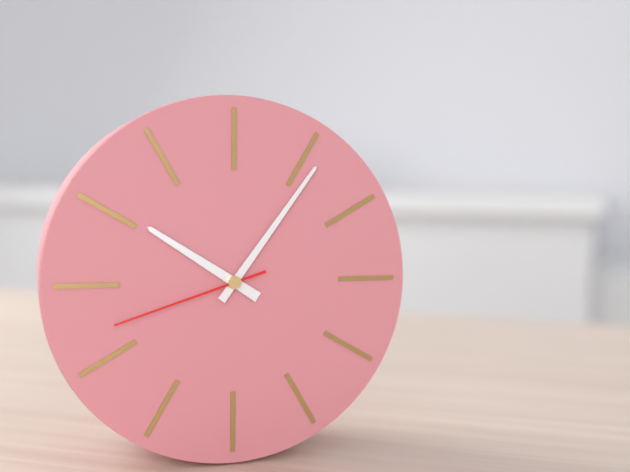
10:06:42
